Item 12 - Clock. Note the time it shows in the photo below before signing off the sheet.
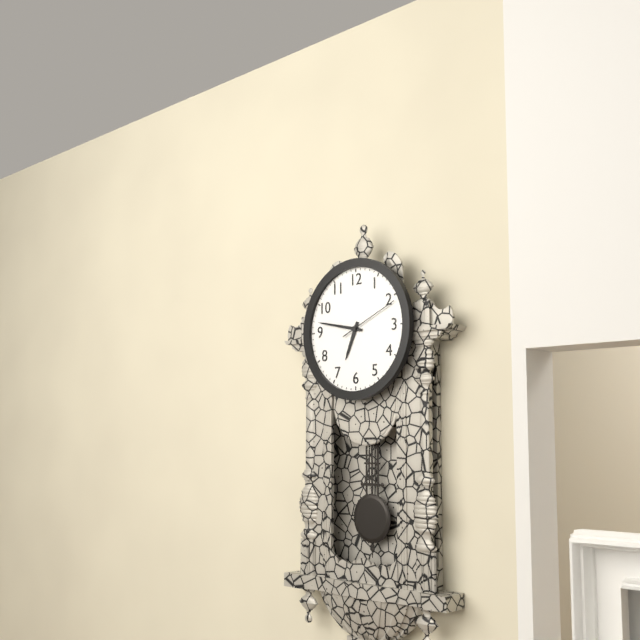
6:47:11
